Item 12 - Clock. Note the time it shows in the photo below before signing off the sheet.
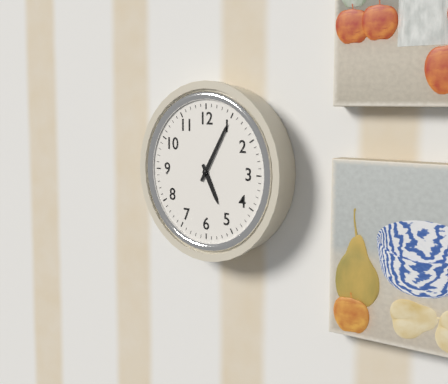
5:05
